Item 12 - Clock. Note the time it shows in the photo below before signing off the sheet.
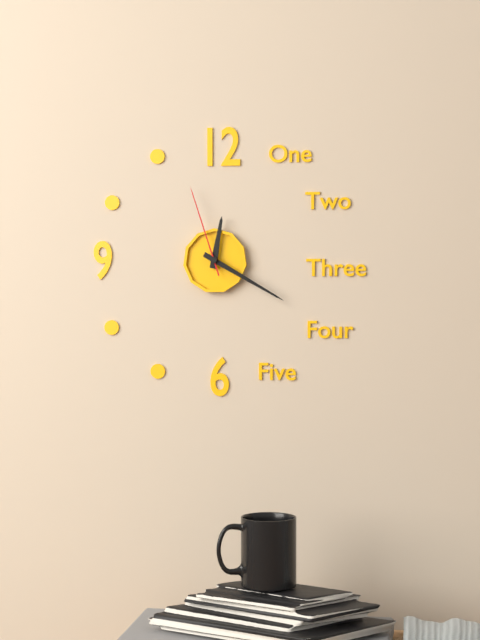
12:20:57
